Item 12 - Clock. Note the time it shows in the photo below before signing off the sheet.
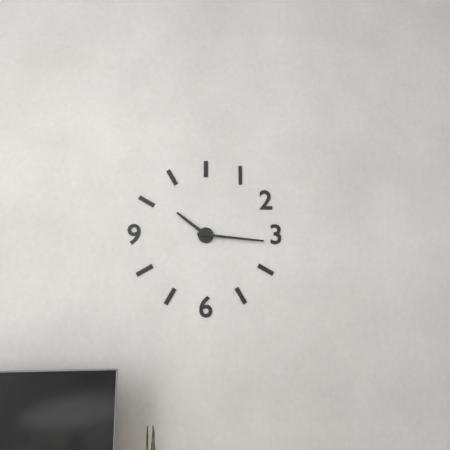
10:16
